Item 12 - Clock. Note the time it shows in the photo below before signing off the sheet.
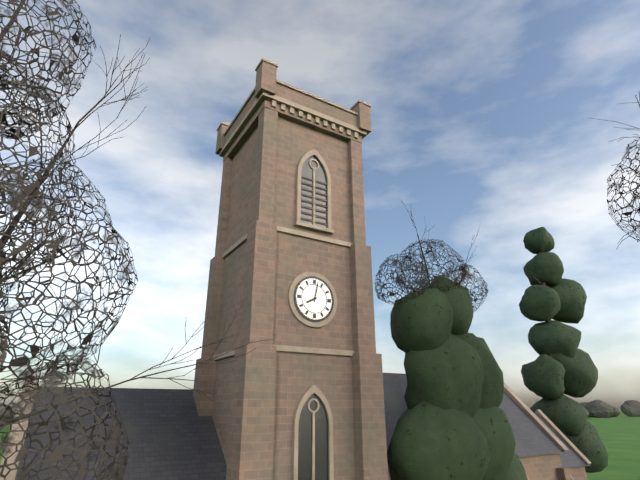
8:02
